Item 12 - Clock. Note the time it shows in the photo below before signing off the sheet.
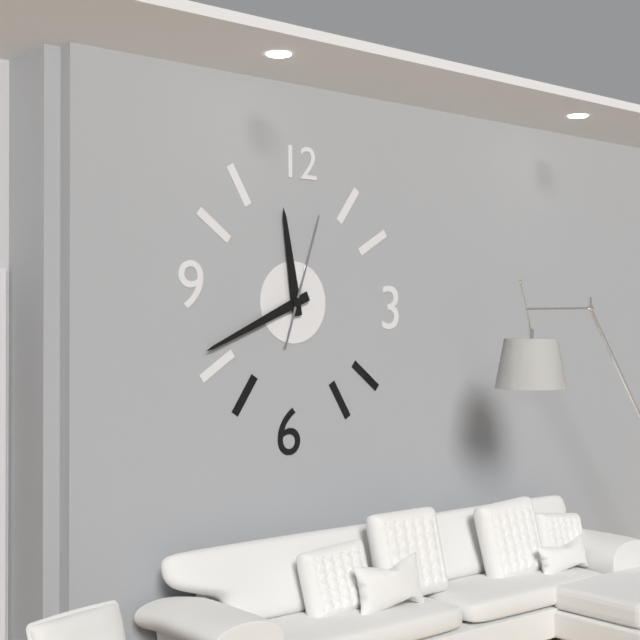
11:41:03
